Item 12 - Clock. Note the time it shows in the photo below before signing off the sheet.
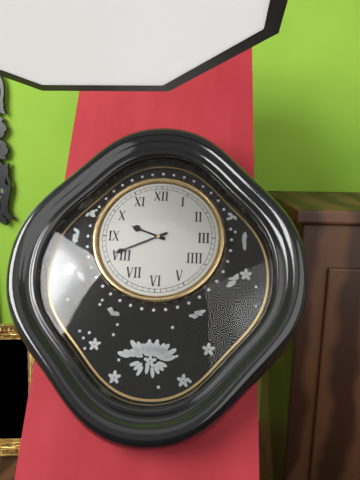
9:41
